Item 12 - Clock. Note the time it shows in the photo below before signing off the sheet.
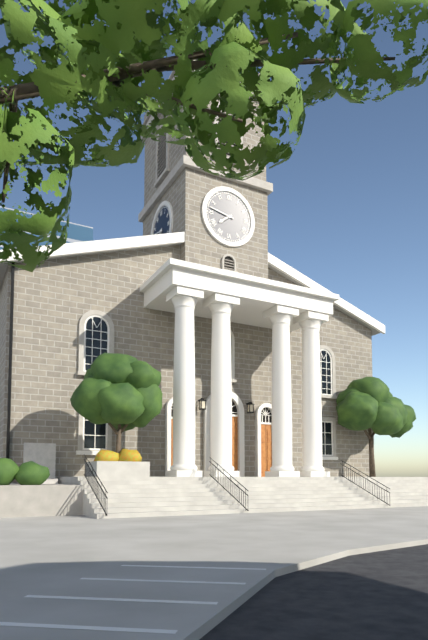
7:47
